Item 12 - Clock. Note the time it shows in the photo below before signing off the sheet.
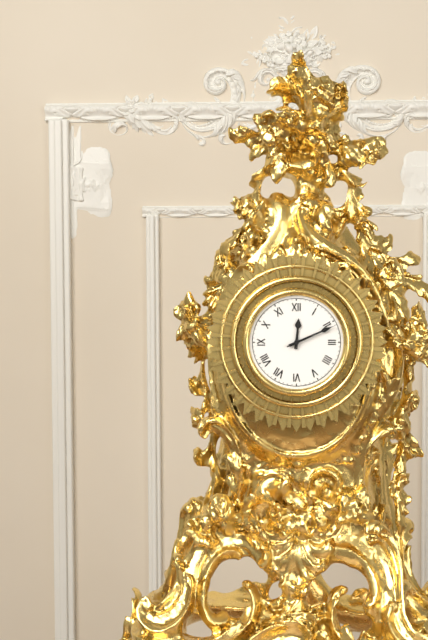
12:11:11
